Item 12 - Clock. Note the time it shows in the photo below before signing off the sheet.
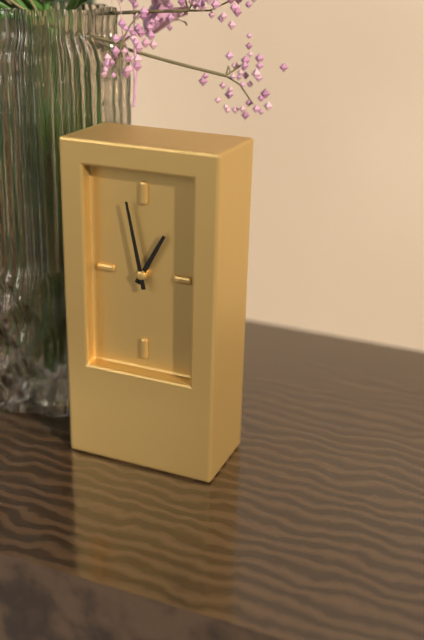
12:58
